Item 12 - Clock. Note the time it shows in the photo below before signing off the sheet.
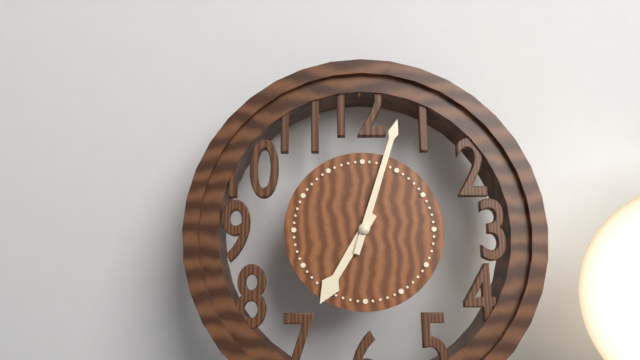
7:03
